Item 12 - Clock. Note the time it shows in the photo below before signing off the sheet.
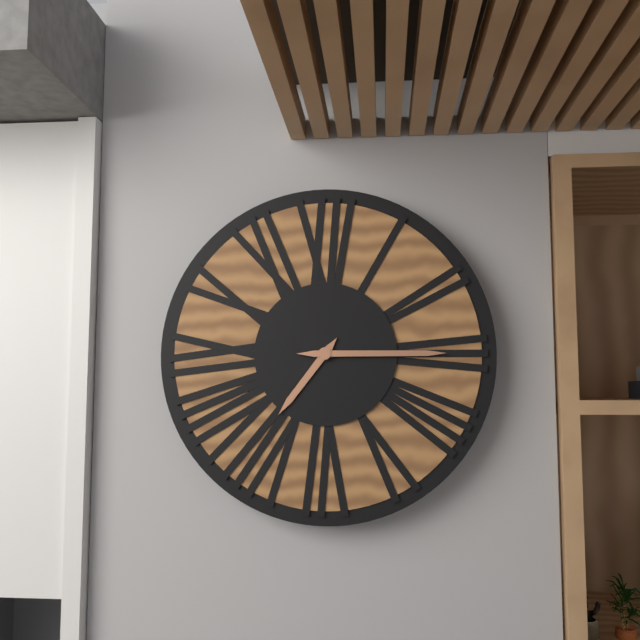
7:15
